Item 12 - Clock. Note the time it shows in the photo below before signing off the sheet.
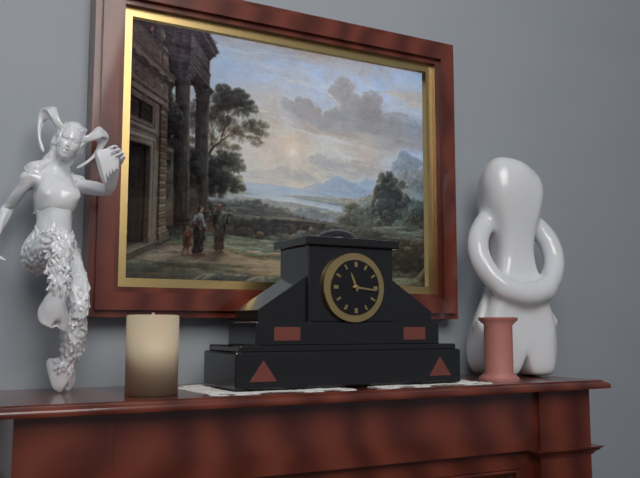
11:16
